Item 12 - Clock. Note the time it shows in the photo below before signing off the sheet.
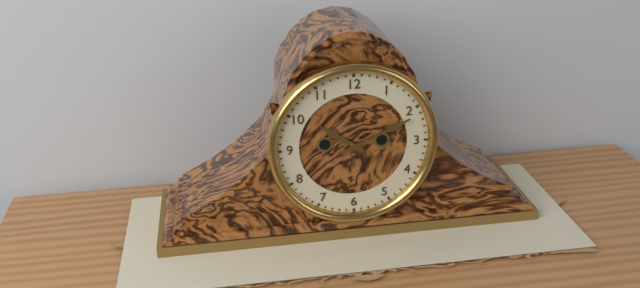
10:11
